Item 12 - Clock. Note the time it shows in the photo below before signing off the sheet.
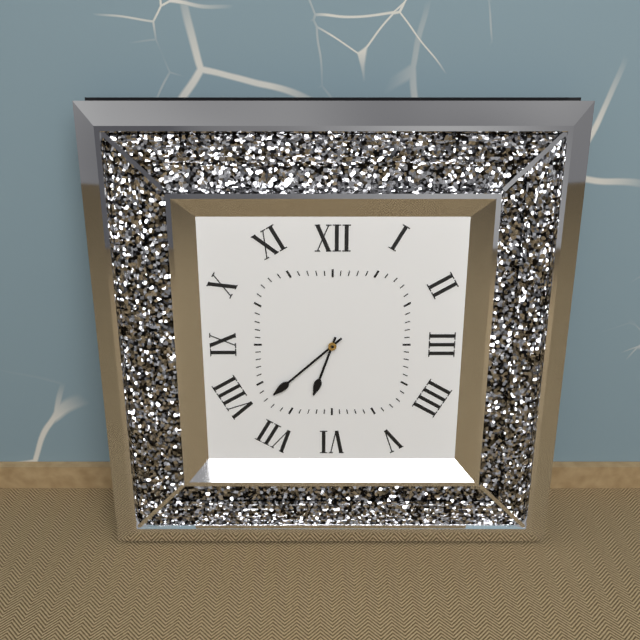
6:38
